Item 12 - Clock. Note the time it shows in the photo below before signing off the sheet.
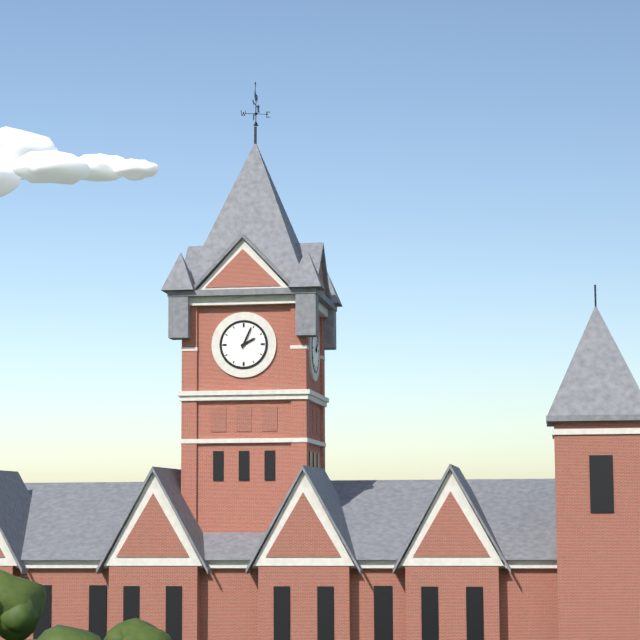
2:04
